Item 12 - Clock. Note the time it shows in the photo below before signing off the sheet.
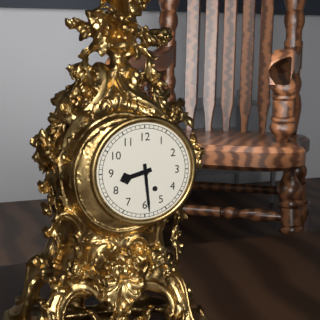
8:29
